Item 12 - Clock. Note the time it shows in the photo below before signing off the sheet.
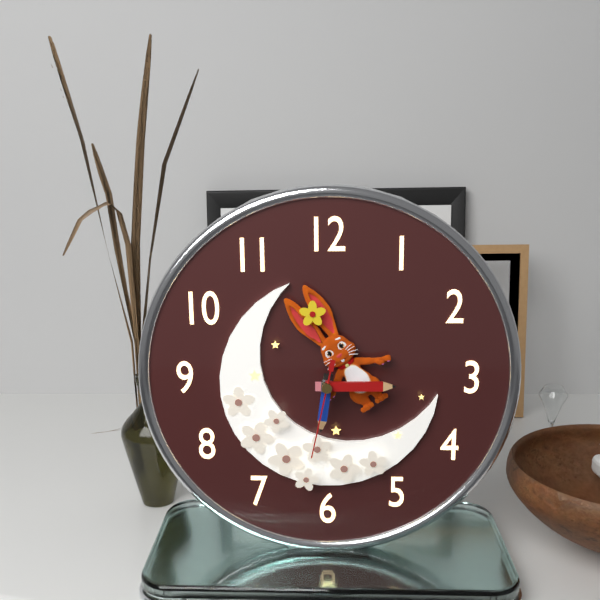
6:15:32
